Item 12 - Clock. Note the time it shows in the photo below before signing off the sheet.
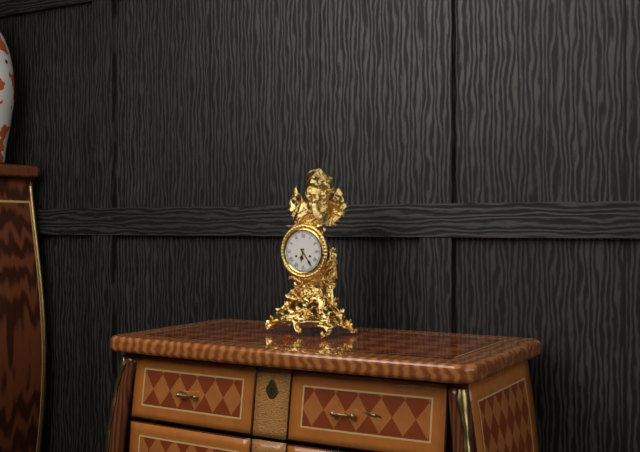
6:24
